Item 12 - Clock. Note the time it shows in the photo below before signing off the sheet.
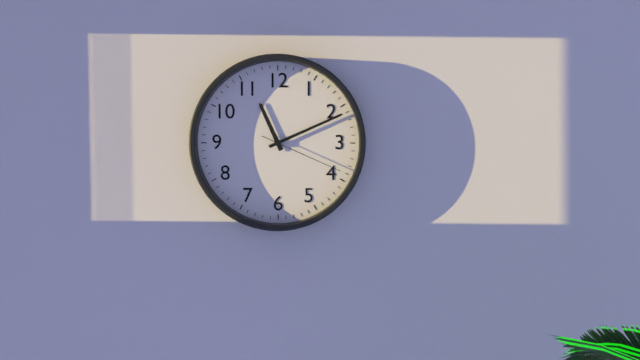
11:11:19
